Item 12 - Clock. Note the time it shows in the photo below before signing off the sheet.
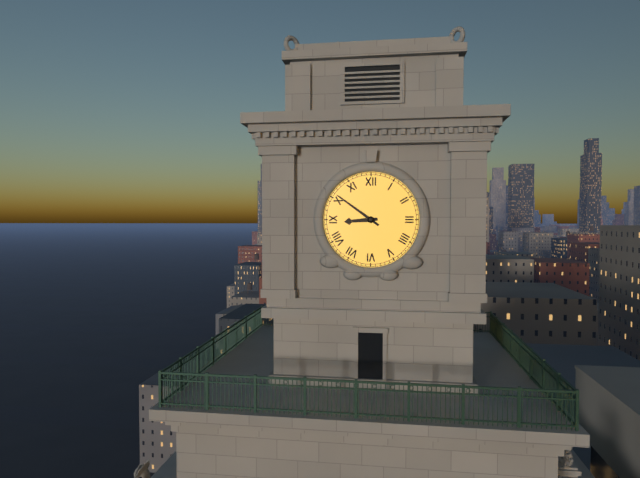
8:51
